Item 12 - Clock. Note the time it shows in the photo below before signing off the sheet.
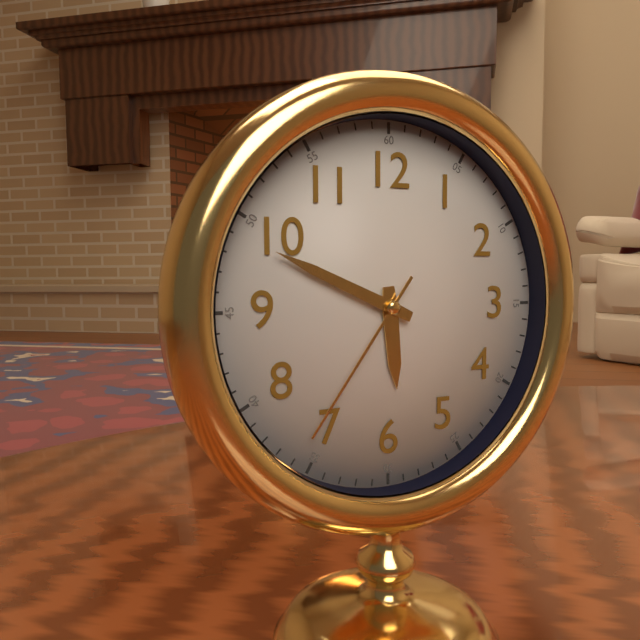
5:49:36
